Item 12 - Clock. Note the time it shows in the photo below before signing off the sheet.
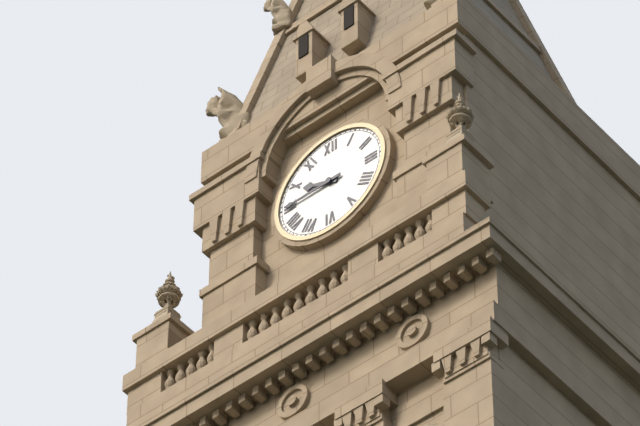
9:45
